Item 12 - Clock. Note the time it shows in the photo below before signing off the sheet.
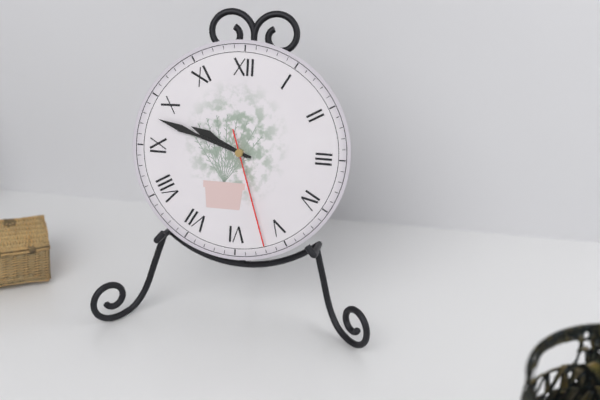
9:48:27
